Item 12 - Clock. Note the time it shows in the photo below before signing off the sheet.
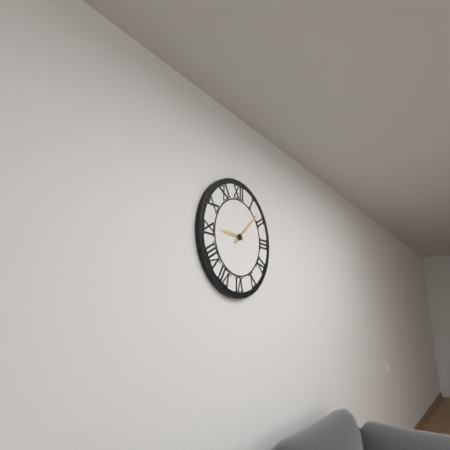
9:08
